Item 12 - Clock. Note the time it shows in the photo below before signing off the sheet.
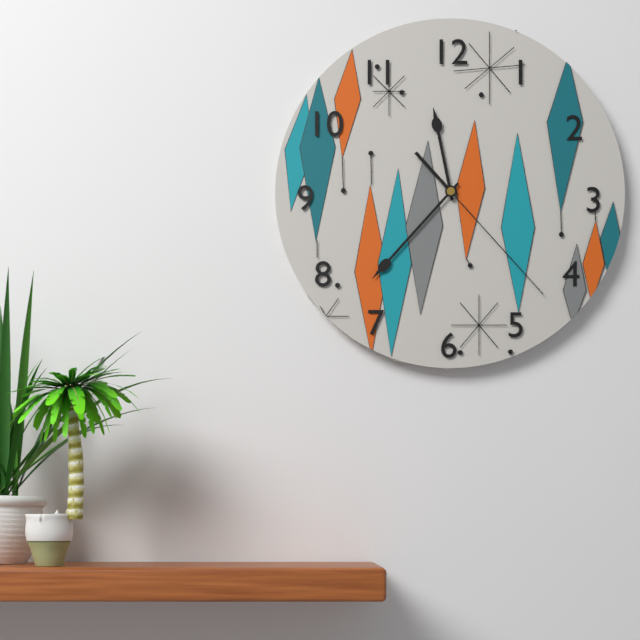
11:37:23
